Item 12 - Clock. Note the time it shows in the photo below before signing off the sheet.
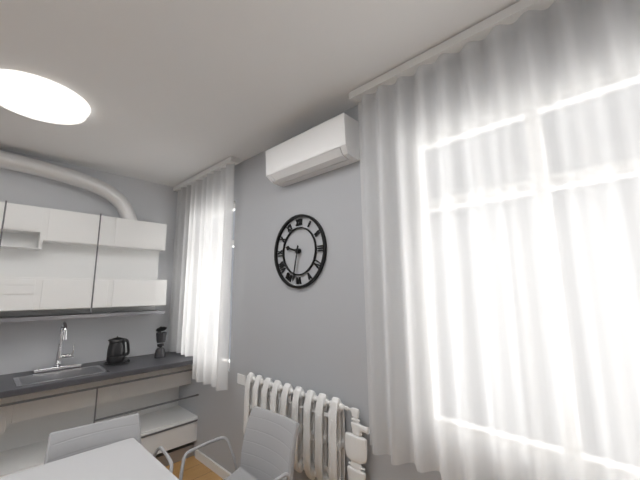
9:32
